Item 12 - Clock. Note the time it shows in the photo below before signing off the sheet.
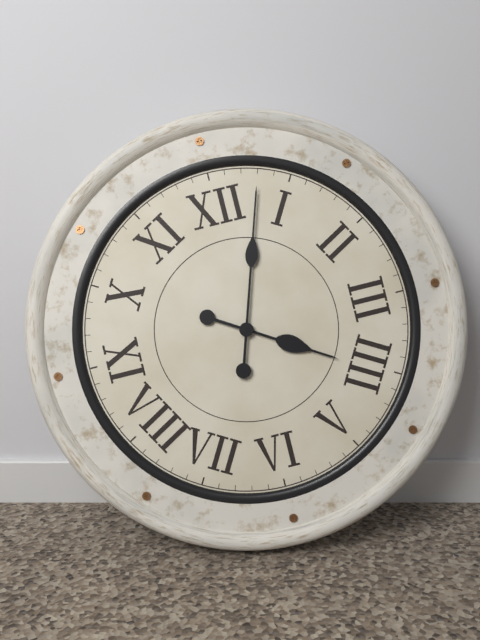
4:03
